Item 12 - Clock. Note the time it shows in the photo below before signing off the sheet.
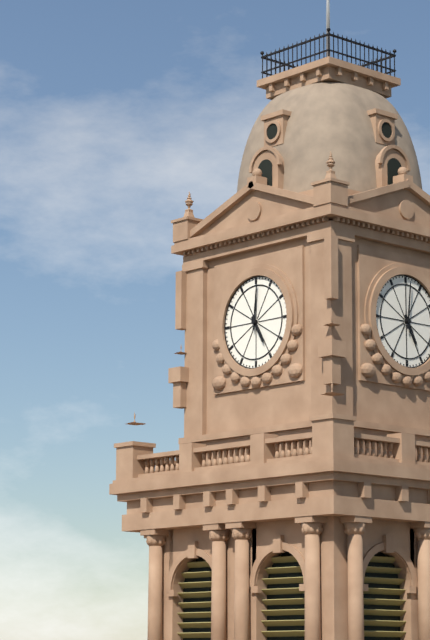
5:01
